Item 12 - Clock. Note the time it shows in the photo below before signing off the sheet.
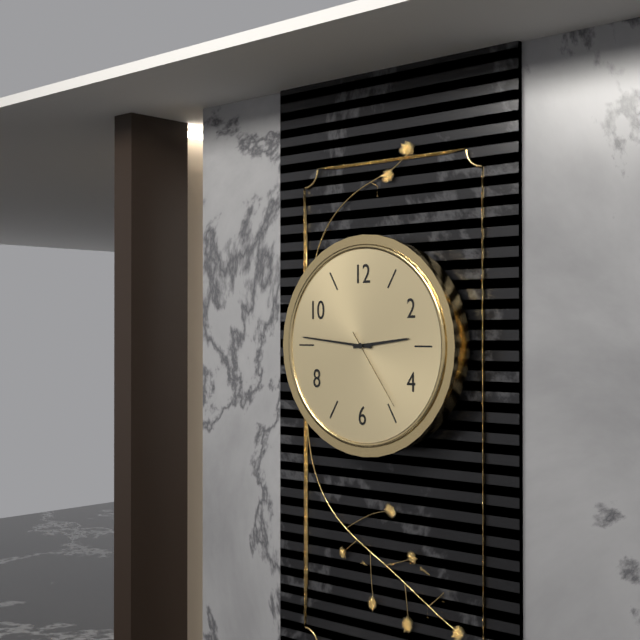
2:46:24
